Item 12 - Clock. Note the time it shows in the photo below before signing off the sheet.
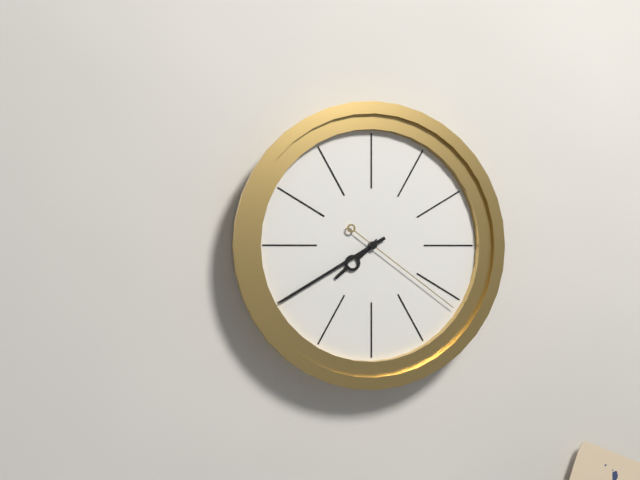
7:40:21
